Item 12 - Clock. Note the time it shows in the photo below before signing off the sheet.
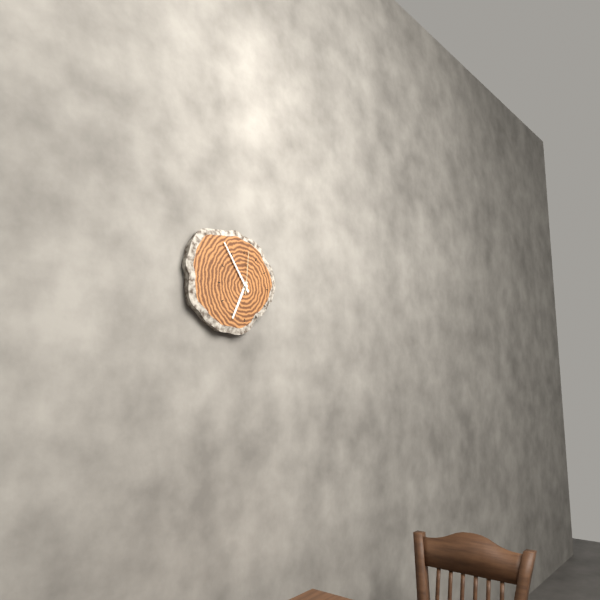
6:54
